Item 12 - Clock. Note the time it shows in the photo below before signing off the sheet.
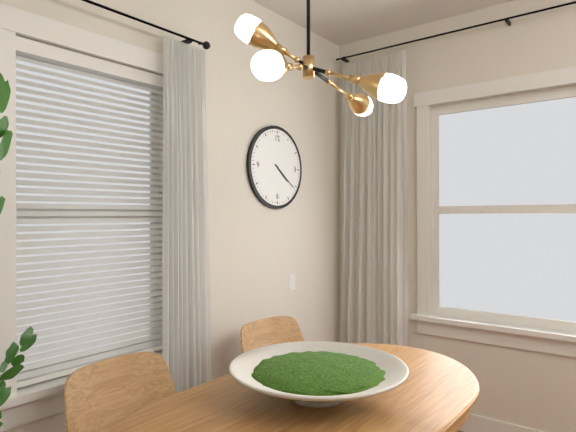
4:21
